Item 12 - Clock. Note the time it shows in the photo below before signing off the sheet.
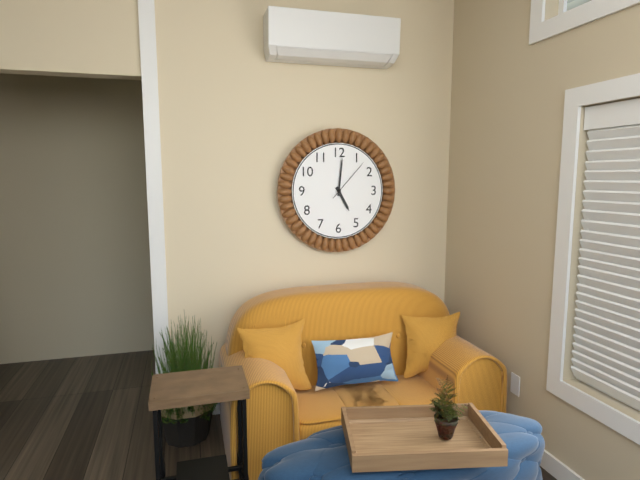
5:01
